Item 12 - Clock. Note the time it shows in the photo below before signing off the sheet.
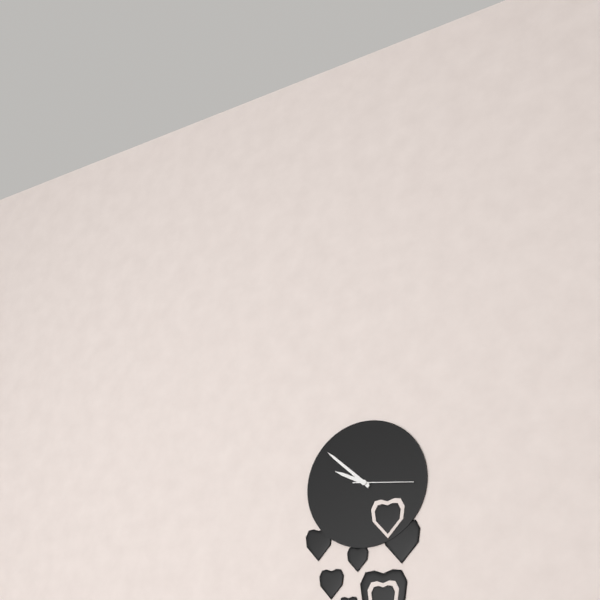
9:52:16
